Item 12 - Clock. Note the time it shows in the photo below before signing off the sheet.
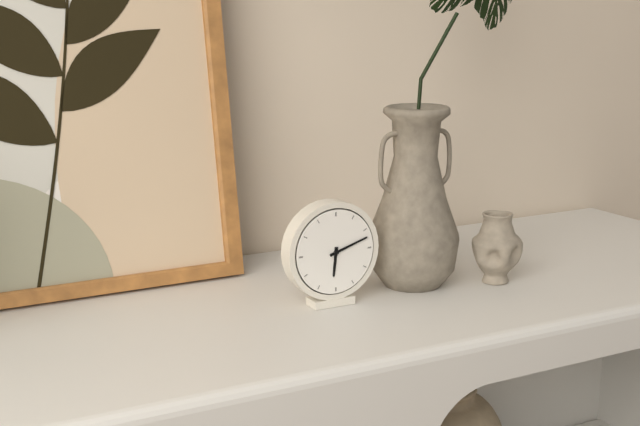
6:12
